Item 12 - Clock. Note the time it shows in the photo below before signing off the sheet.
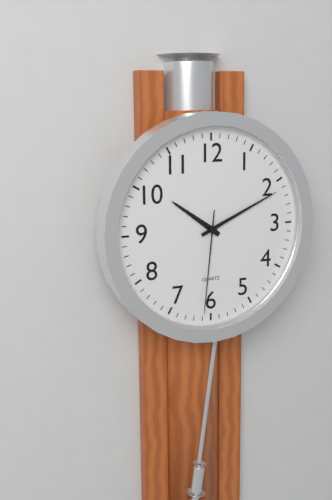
10:11:31
